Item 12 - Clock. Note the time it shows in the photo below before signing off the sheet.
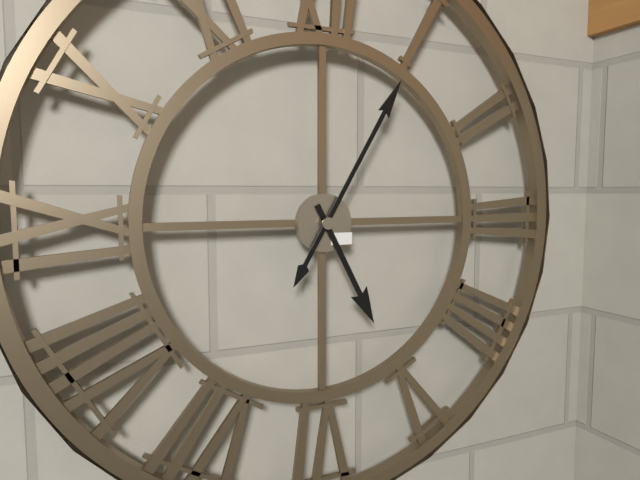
5:05
